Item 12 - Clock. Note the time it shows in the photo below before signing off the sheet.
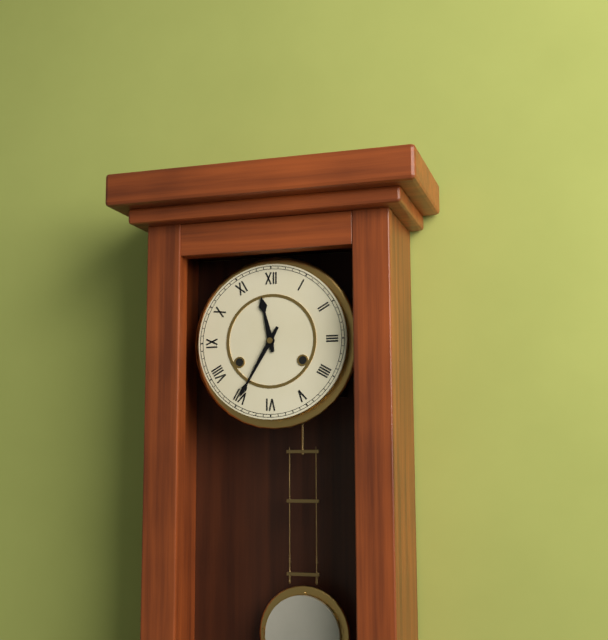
11:35
